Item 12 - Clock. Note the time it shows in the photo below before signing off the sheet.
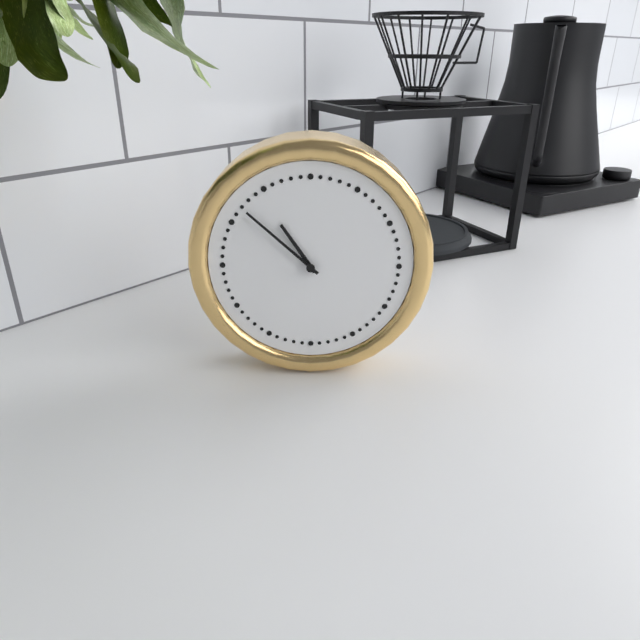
10:52
